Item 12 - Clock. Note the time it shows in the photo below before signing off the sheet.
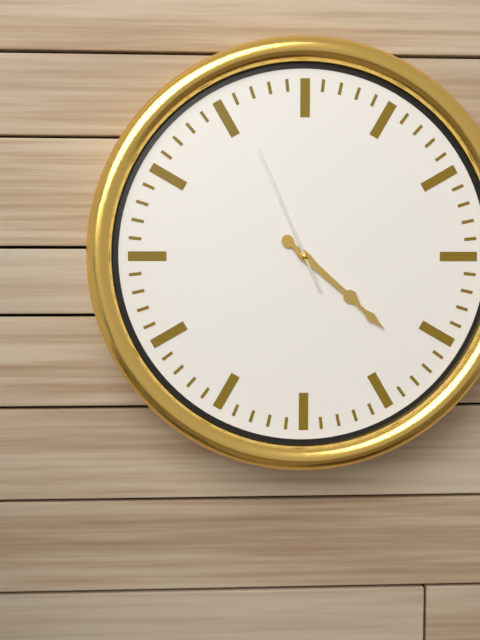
4:22:56
